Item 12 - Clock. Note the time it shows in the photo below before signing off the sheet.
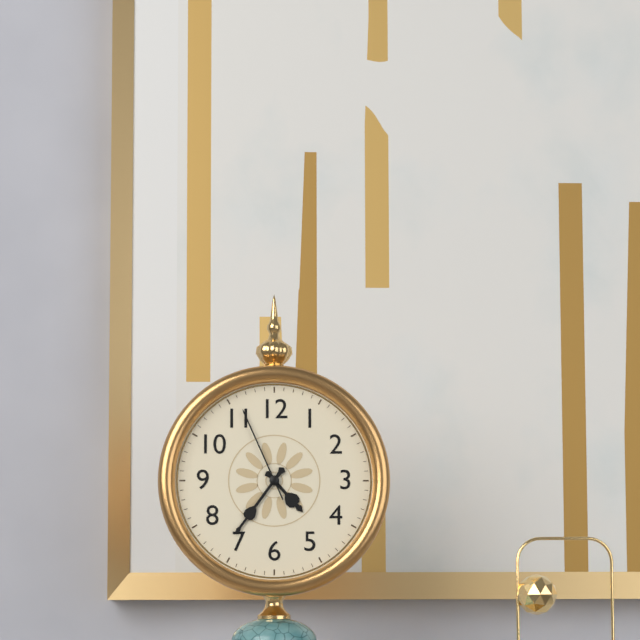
4:36:56
